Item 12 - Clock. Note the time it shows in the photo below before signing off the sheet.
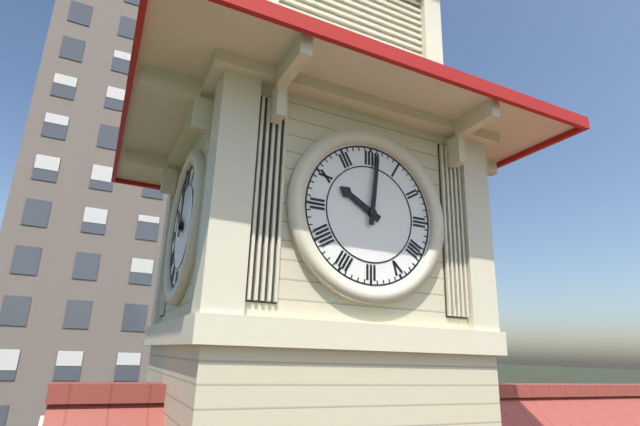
10:01
